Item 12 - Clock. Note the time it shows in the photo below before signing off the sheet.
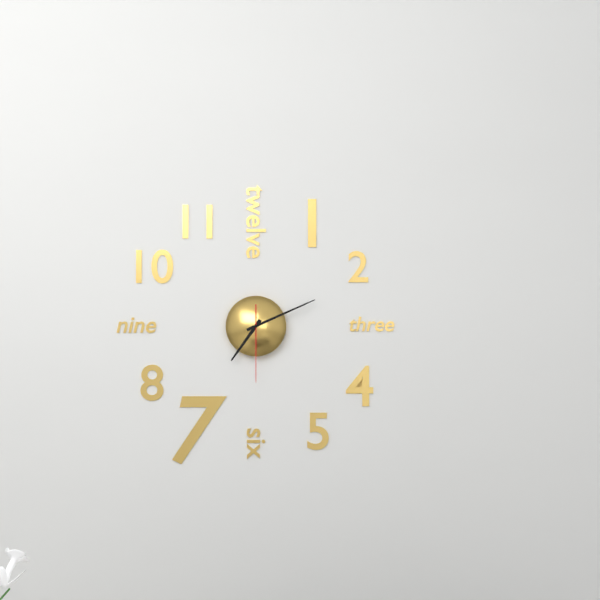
7:11:30
